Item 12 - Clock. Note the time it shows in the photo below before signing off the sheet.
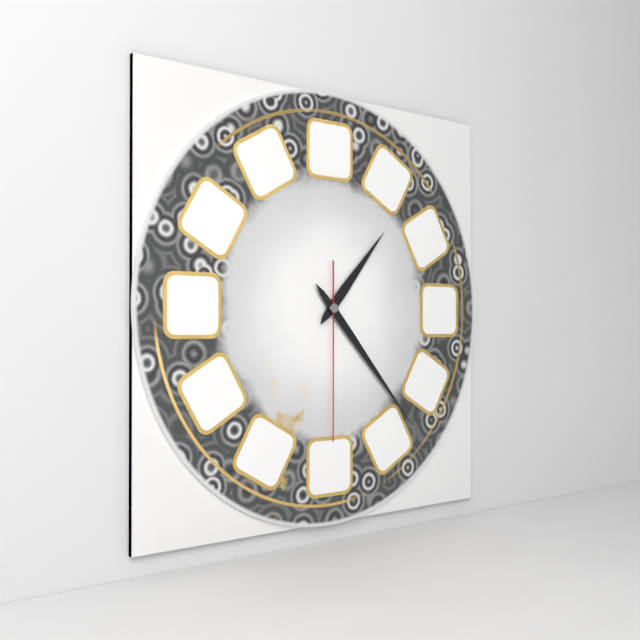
1:23:30
